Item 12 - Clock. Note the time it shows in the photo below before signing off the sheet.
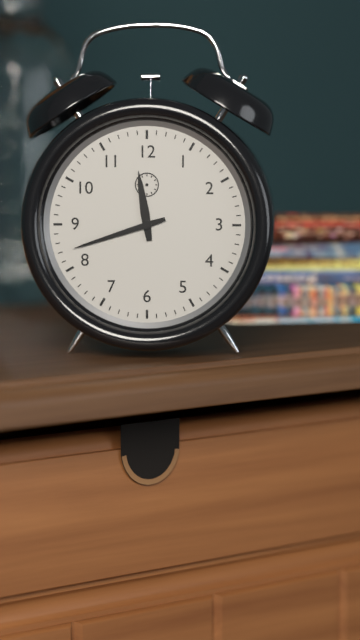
11:42
